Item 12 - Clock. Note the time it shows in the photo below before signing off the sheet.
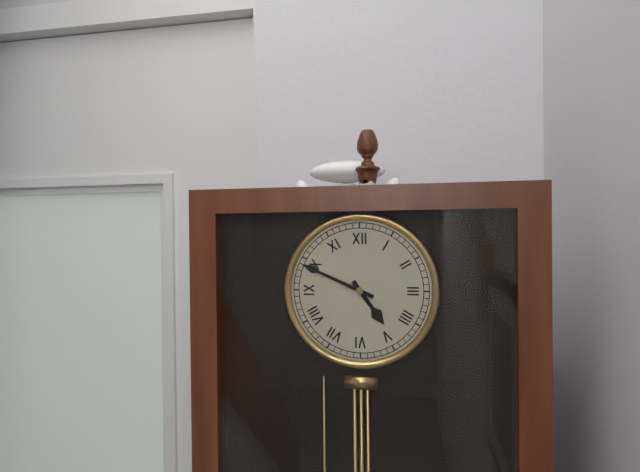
4:49
